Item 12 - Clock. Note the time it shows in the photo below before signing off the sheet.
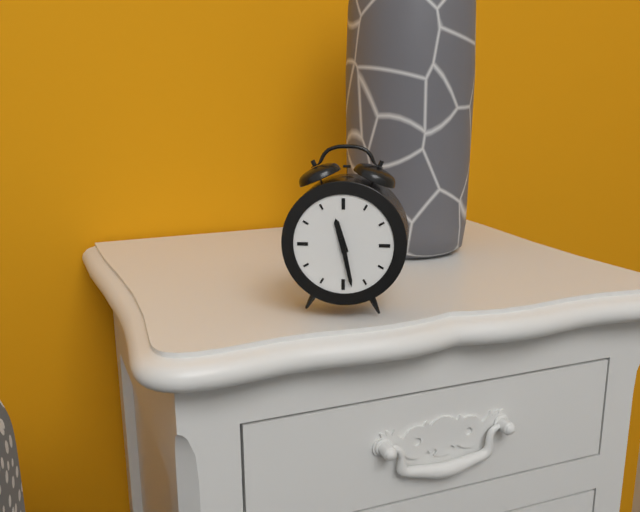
11:28
